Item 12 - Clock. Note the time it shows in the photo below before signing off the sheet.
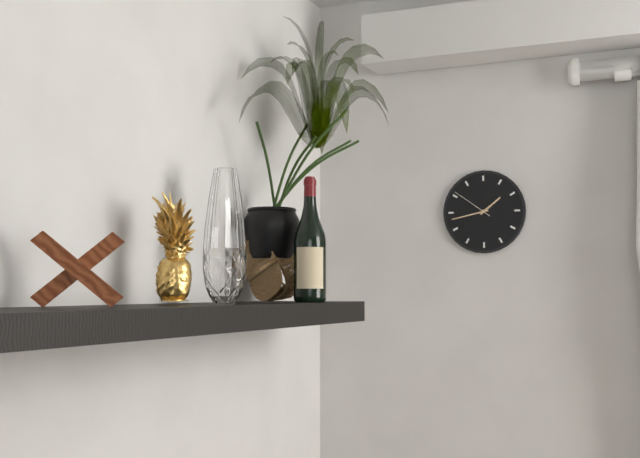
1:43
